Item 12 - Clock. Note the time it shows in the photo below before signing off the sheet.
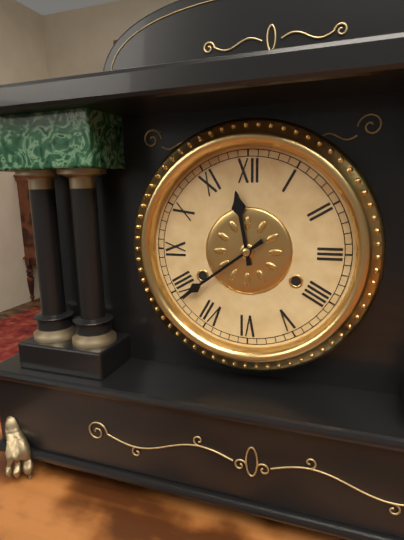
11:39
